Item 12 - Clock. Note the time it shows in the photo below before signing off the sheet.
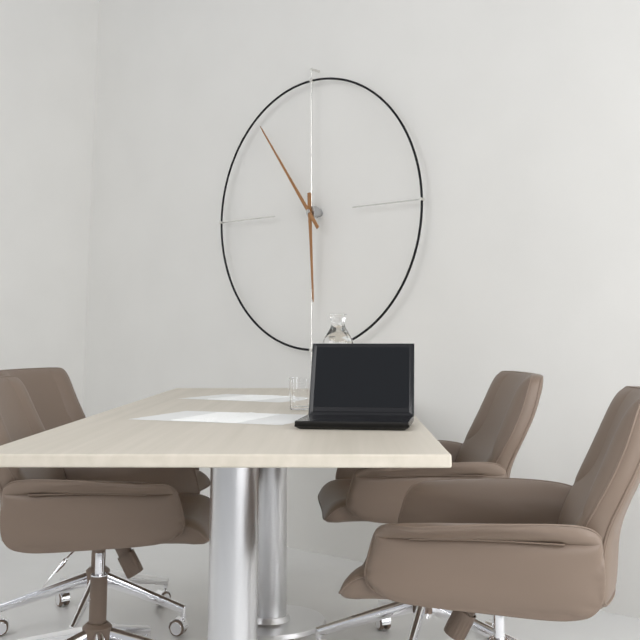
5:54
